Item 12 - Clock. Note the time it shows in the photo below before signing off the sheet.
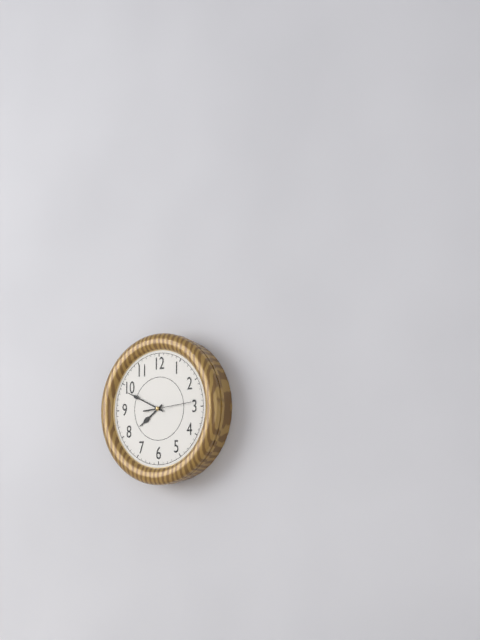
7:49
